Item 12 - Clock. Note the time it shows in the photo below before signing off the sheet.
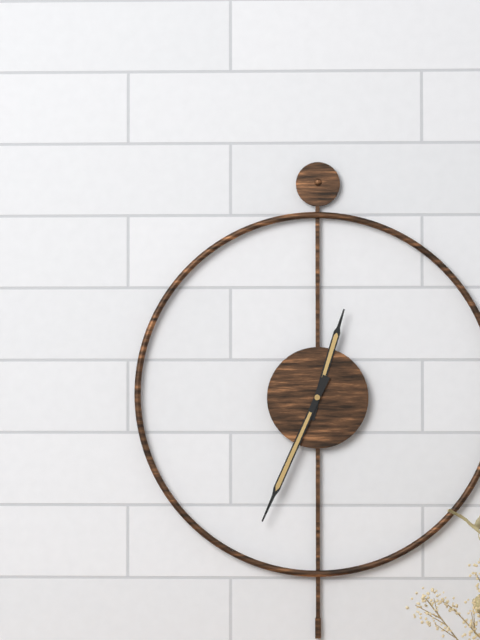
12:34
